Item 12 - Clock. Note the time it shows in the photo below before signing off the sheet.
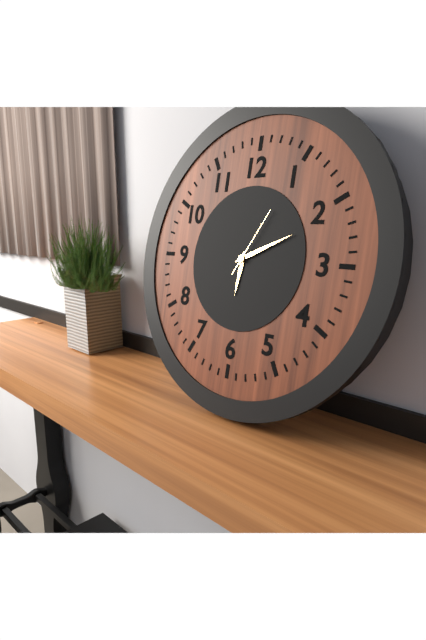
6:11:05
